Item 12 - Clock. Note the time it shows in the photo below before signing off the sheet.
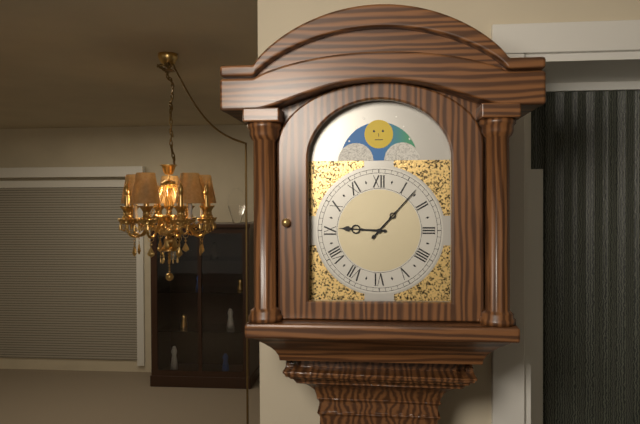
9:07
